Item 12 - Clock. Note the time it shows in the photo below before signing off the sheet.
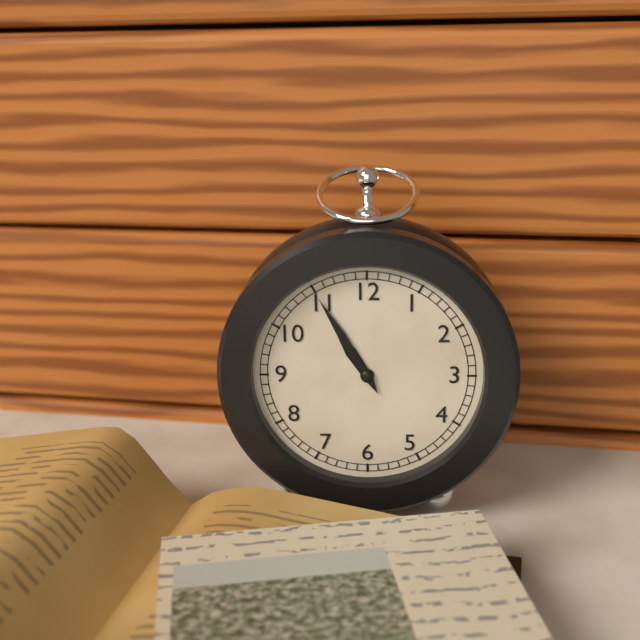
10:55
